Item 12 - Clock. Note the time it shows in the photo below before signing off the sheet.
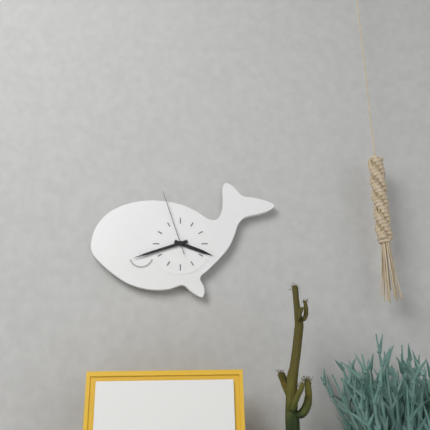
3:42
